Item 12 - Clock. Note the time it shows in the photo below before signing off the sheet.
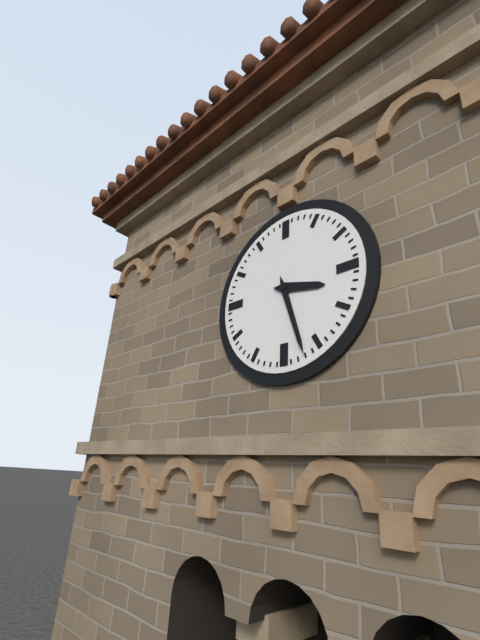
3:27
